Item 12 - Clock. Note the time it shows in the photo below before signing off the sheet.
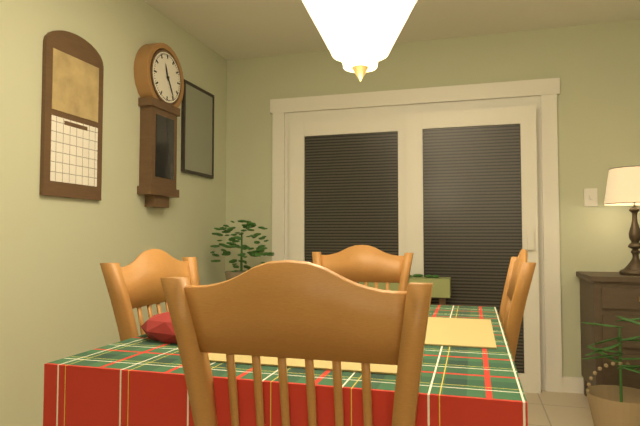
11:25
